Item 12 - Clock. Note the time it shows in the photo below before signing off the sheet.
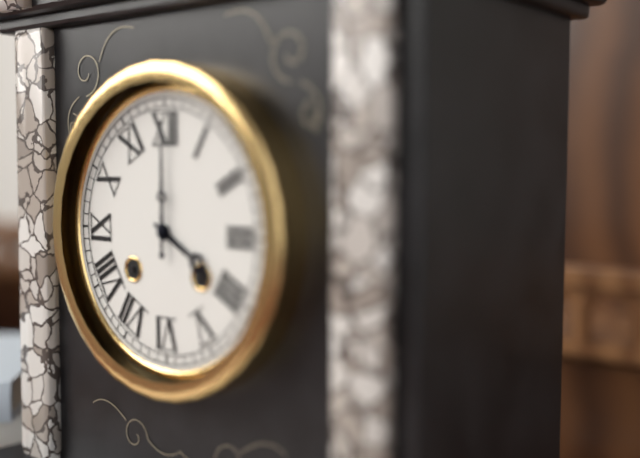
4:00
